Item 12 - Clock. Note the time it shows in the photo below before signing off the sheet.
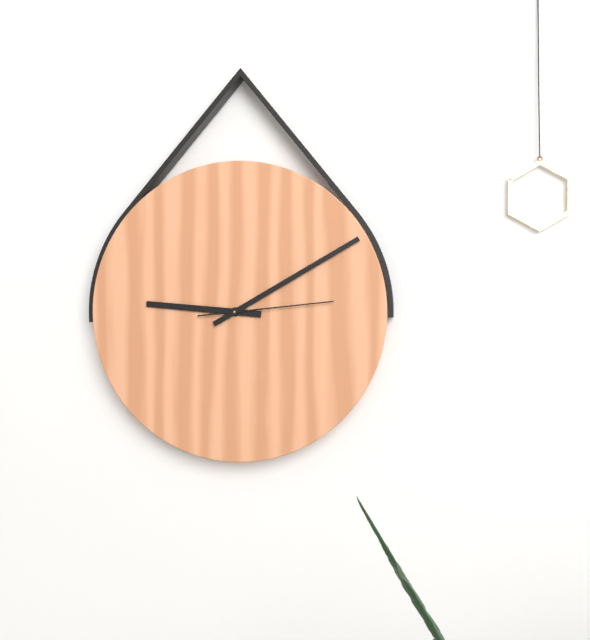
9:10:14
